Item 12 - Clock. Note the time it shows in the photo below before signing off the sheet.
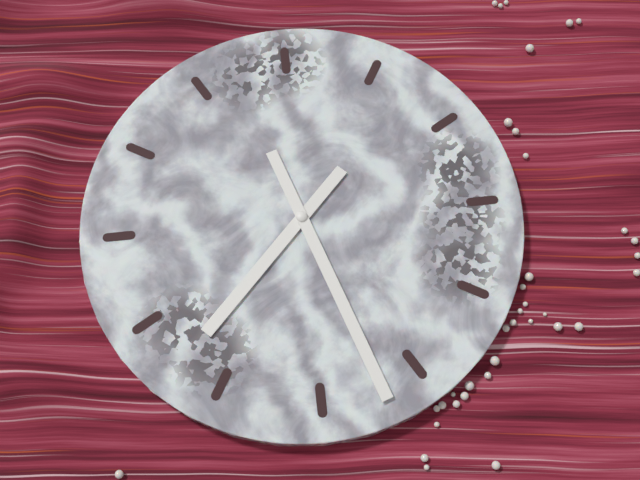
7:27
